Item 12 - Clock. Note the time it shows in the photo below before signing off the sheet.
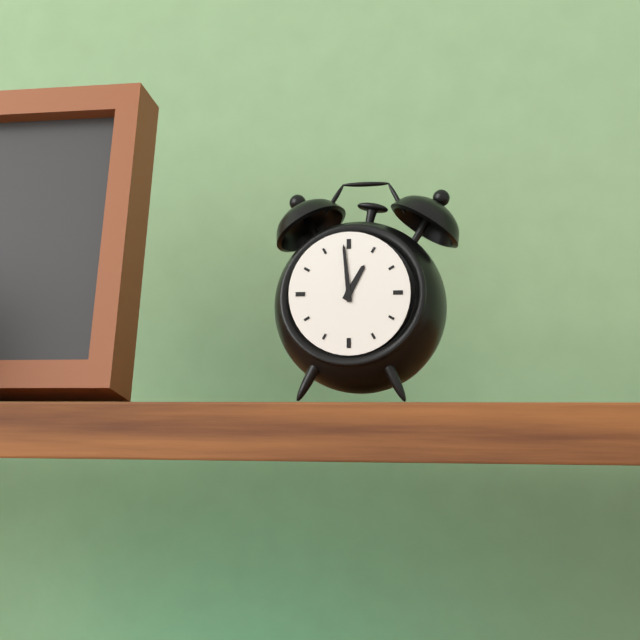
12:59
